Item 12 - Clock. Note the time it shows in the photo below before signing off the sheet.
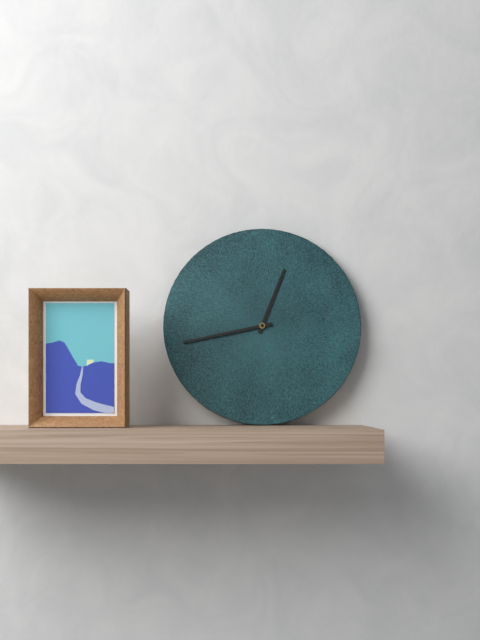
12:43
